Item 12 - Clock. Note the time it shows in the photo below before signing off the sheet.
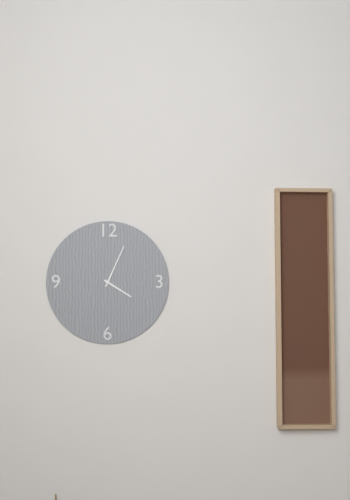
4:04
